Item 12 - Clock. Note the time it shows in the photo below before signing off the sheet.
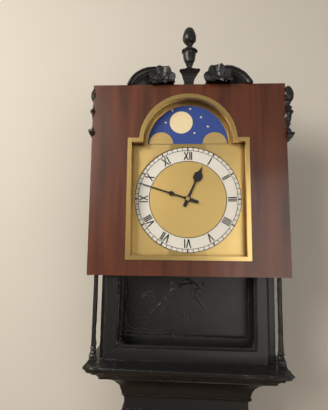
12:48
